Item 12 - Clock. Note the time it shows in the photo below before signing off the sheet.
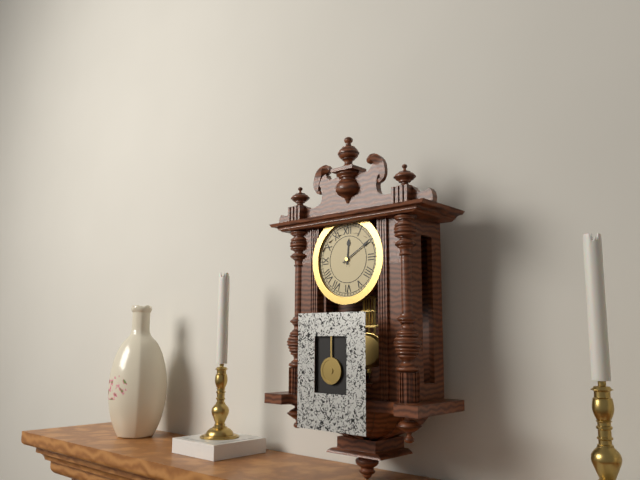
12:10
